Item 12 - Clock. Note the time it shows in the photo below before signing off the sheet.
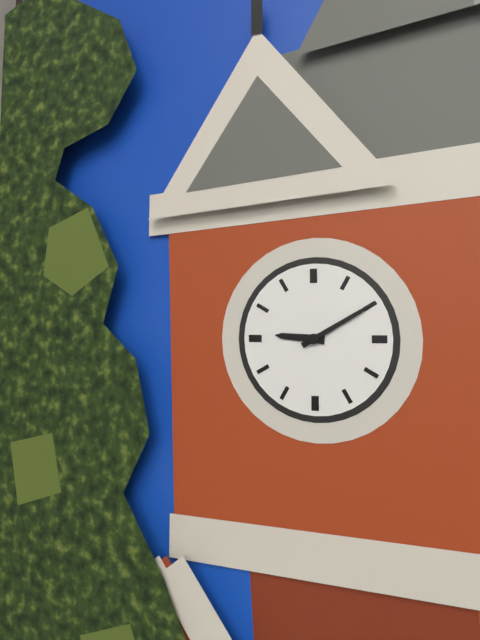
9:10
